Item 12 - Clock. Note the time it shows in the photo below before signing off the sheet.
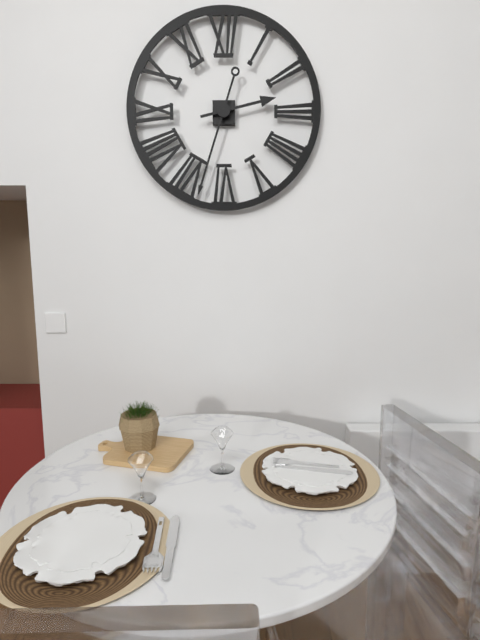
2:33
